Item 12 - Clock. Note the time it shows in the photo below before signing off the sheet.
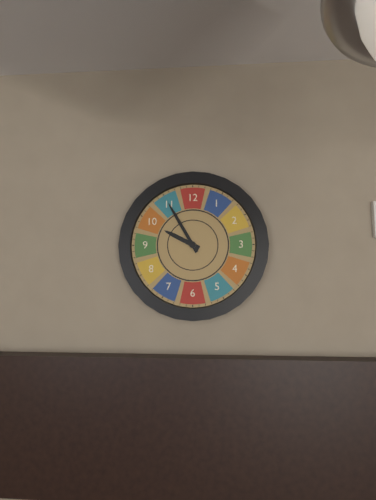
9:55
